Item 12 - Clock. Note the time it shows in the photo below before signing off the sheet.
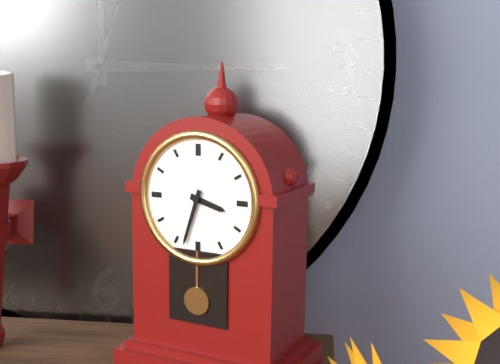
3:33
